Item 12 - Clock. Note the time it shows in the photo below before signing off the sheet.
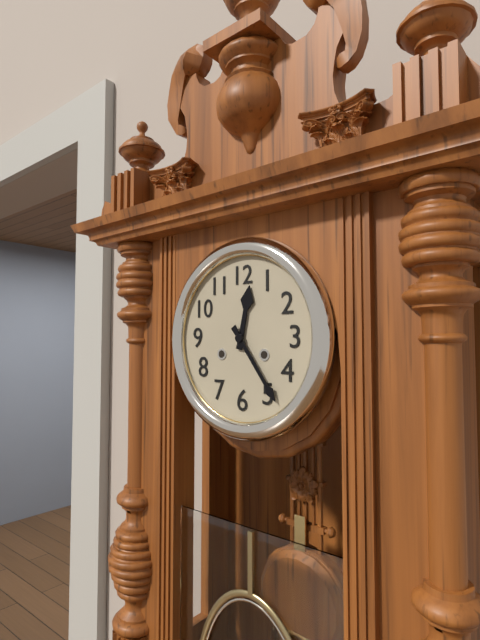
12:24
